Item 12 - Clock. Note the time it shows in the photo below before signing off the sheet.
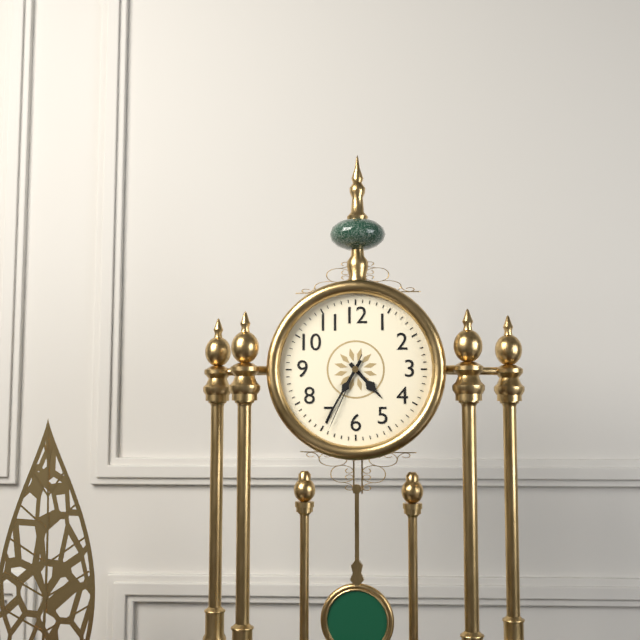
4:35:34
